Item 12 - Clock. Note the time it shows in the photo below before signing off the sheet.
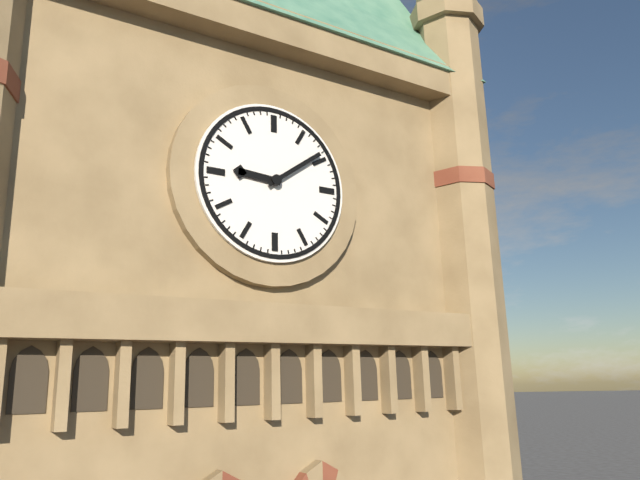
9:09
